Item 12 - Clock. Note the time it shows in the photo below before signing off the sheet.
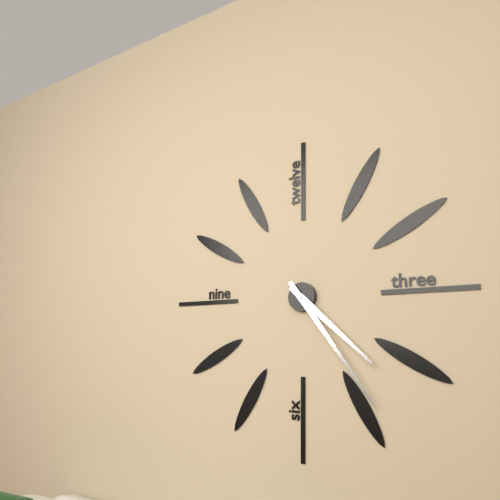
4:24
